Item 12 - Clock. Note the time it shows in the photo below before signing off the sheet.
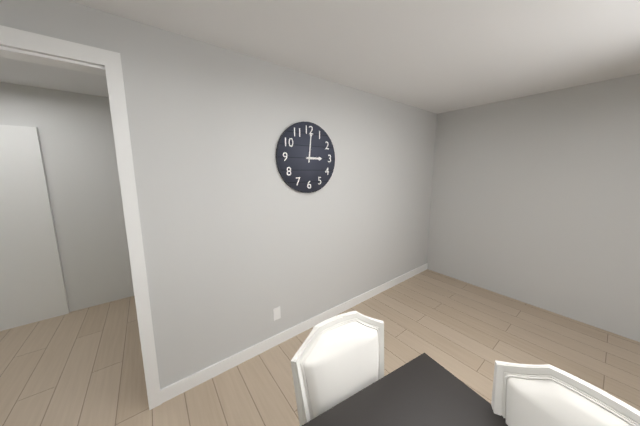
3:01
